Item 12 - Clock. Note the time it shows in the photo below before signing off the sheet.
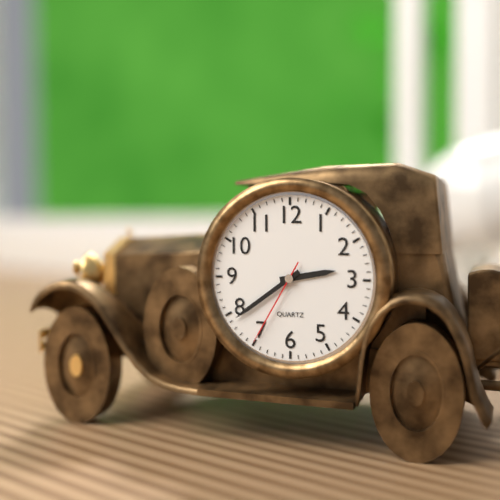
2:39:35
